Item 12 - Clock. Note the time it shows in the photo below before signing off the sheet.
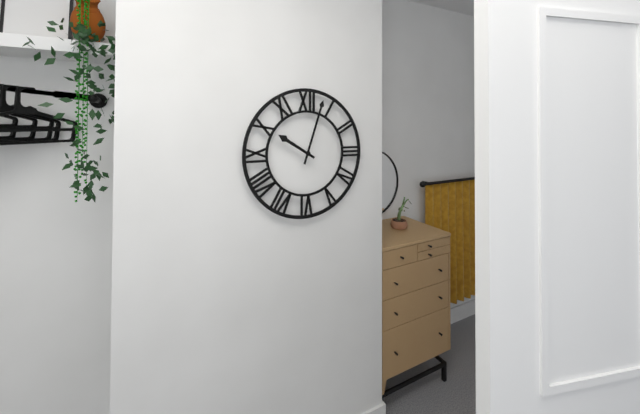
10:03
